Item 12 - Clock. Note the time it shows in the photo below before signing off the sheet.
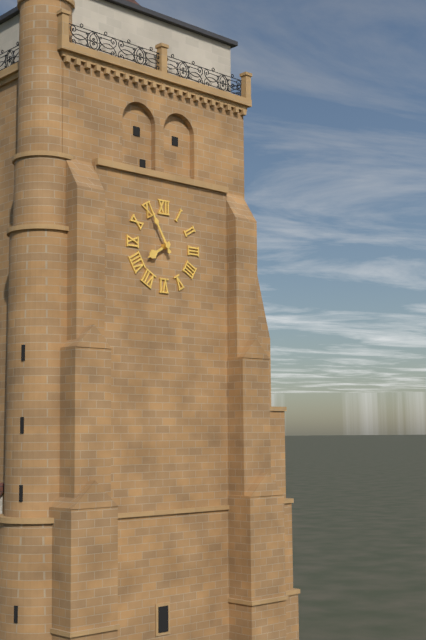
7:55
